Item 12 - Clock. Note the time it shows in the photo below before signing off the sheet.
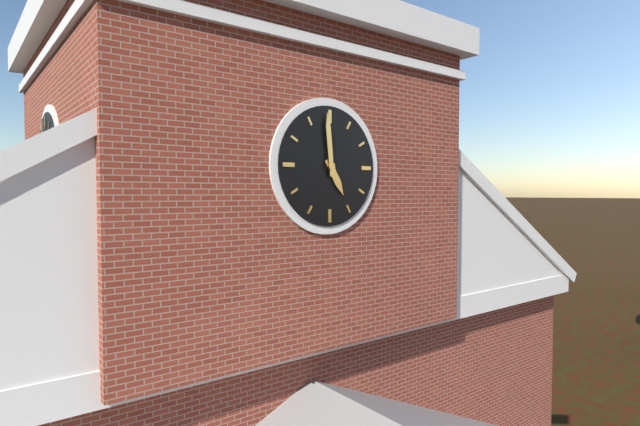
4:59
